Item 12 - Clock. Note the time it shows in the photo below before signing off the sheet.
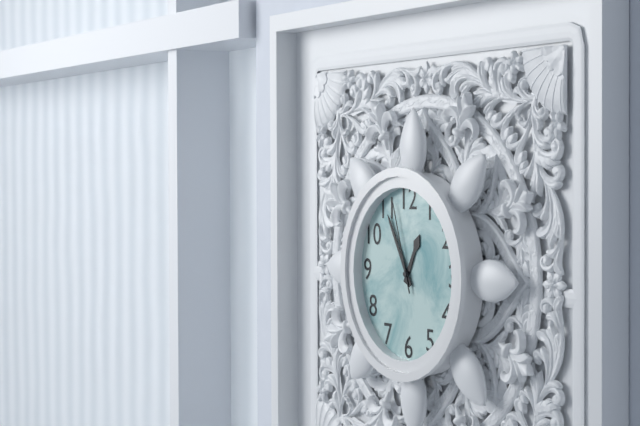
12:55:57
